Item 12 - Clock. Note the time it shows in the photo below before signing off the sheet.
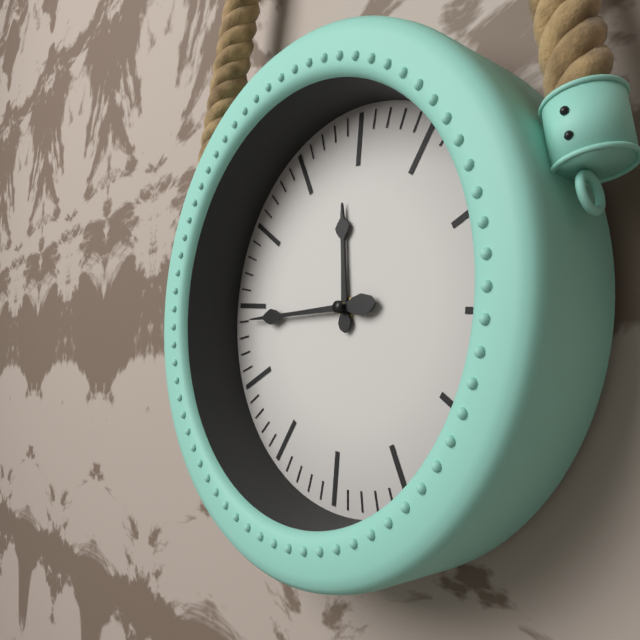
11:44
